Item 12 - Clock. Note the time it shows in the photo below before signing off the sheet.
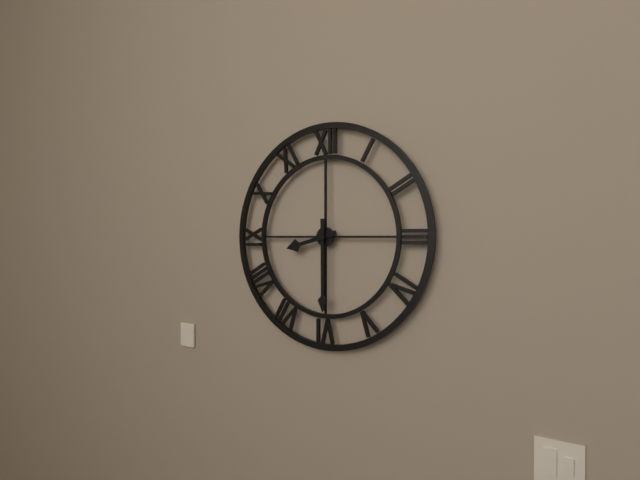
8:30
